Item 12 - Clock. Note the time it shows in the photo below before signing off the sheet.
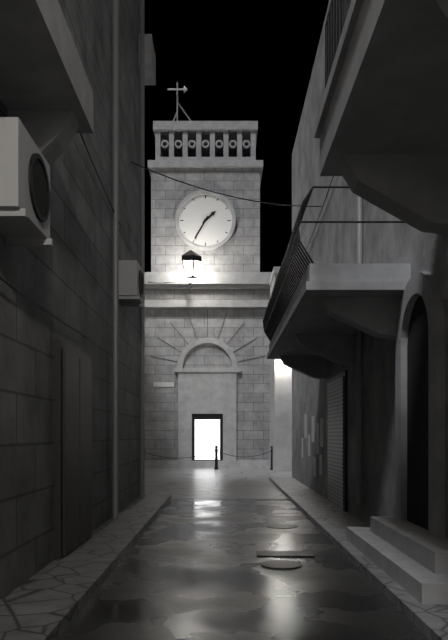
1:35
